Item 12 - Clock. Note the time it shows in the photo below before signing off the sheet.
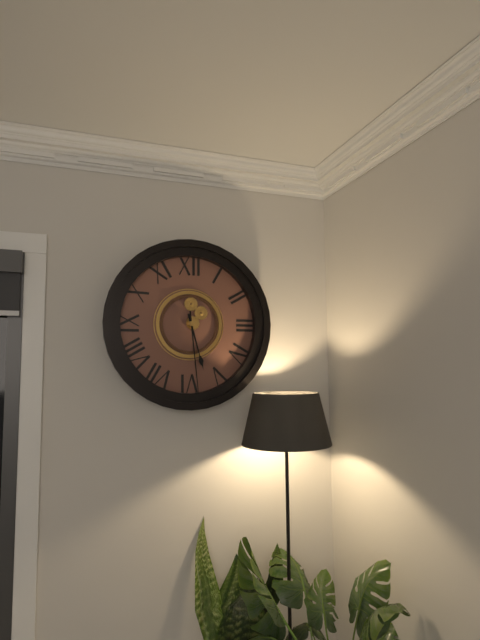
5:29
